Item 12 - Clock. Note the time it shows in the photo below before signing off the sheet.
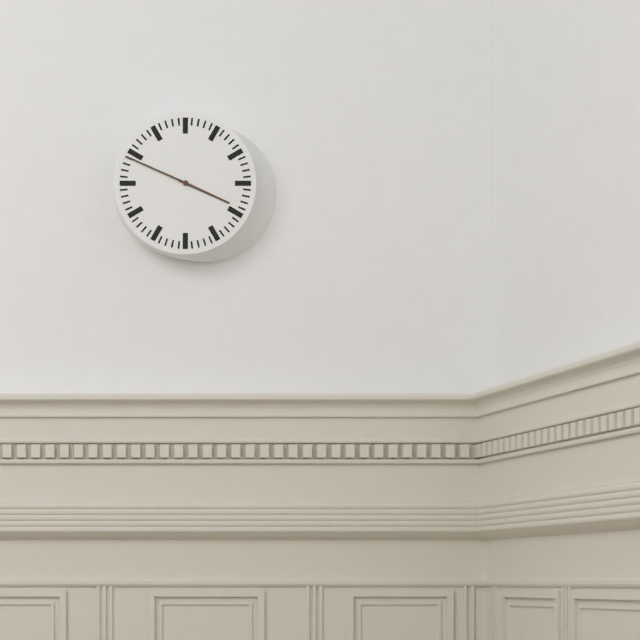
3:49
